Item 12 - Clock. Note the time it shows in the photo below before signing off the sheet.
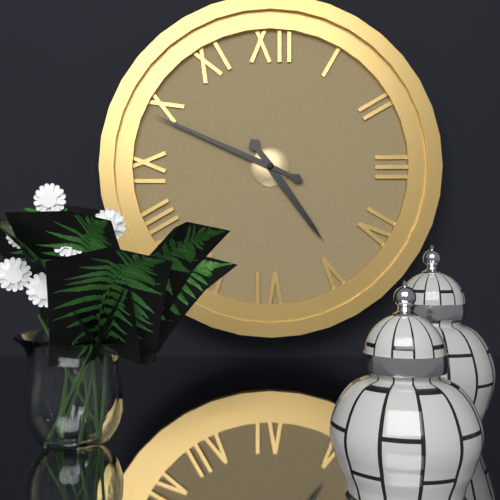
4:49
